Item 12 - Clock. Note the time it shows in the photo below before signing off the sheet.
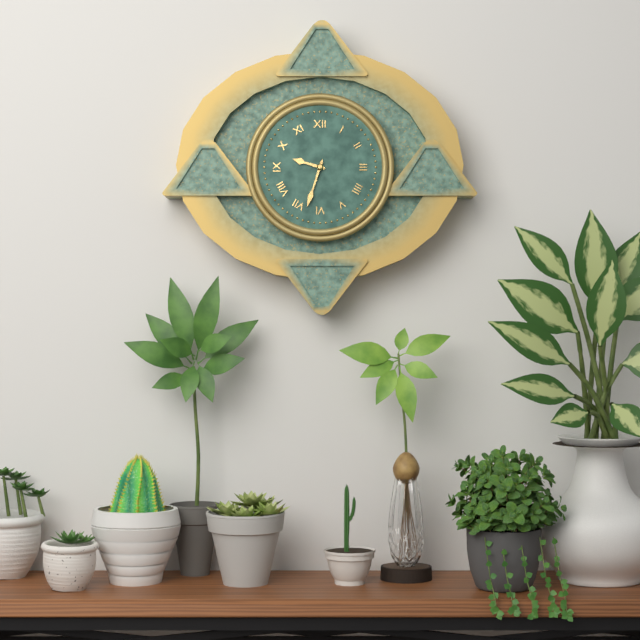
9:33
